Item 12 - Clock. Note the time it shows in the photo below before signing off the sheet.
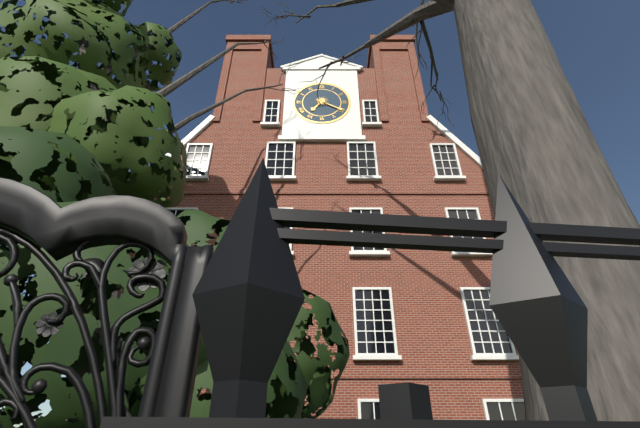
7:20
